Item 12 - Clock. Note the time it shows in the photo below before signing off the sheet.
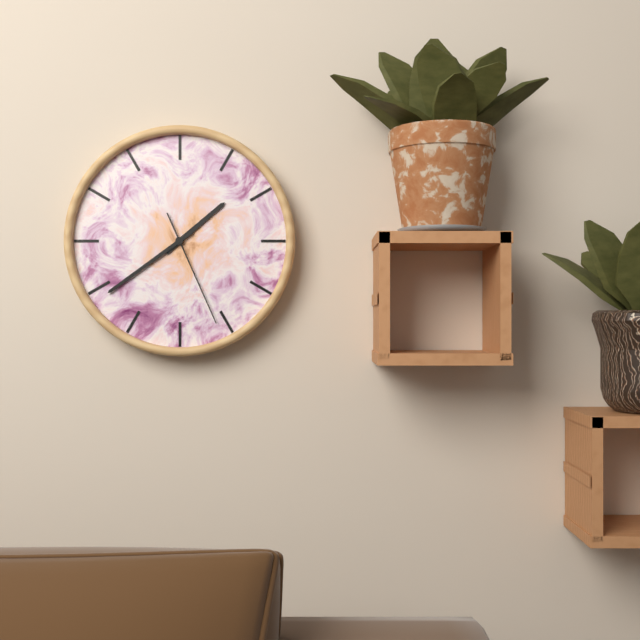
1:39:26
